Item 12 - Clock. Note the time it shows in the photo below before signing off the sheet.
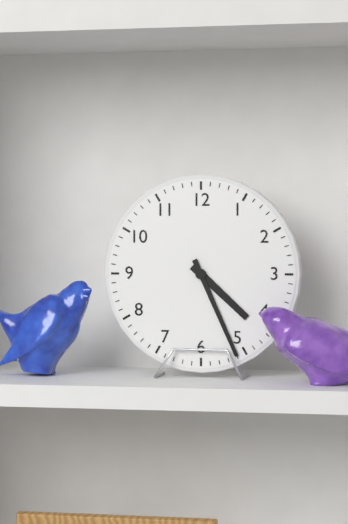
4:26
